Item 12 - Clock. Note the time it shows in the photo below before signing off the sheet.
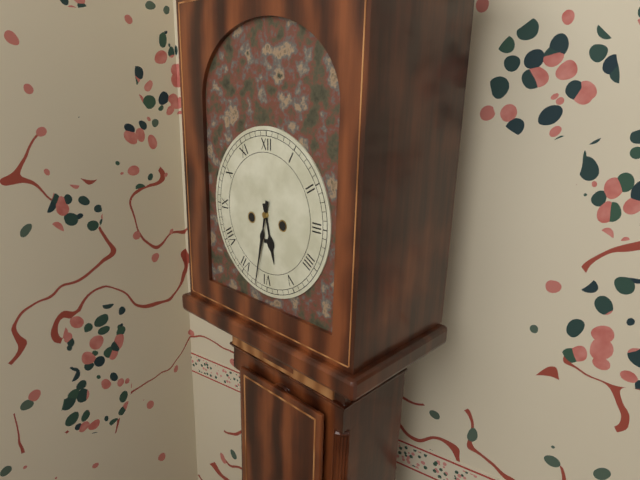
5:32
